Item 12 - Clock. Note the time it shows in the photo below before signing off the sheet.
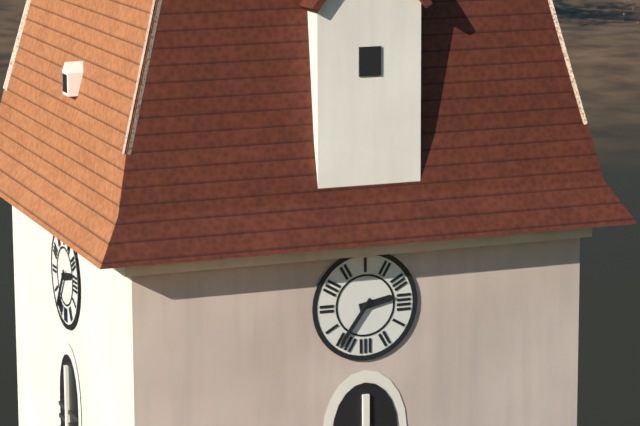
2:36
